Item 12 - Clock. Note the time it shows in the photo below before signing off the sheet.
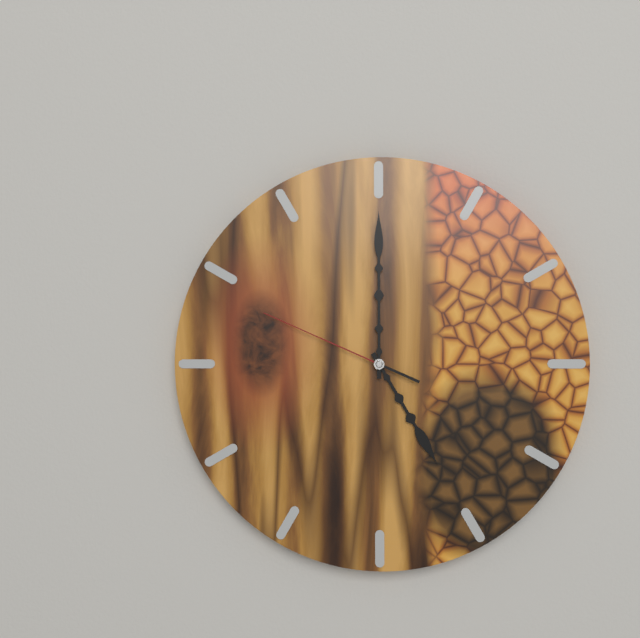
5:00:49
